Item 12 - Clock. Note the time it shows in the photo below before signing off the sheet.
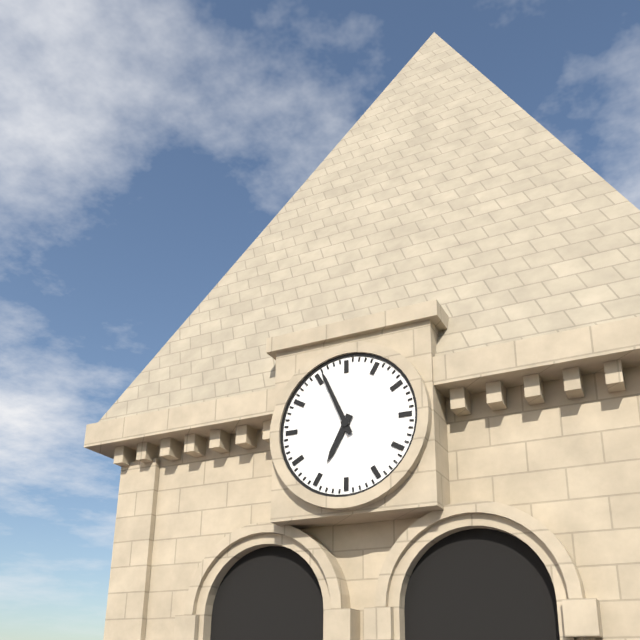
6:56
